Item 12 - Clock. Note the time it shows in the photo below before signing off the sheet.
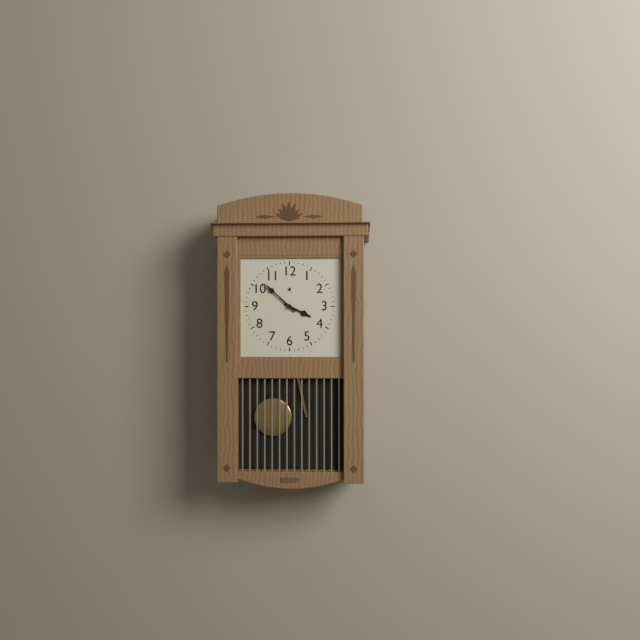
3:52
